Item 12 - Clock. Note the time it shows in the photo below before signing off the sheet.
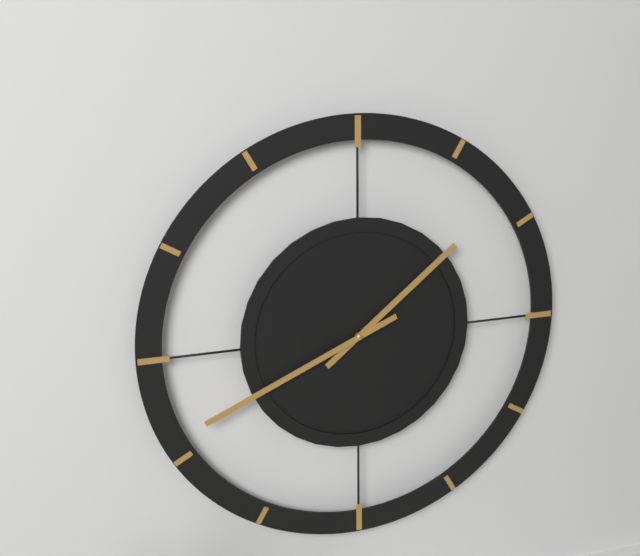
1:41
